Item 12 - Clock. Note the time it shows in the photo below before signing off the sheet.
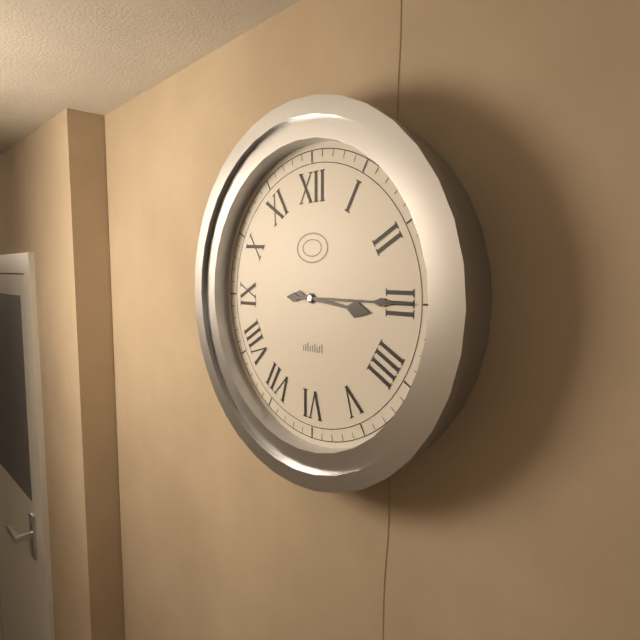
3:15
